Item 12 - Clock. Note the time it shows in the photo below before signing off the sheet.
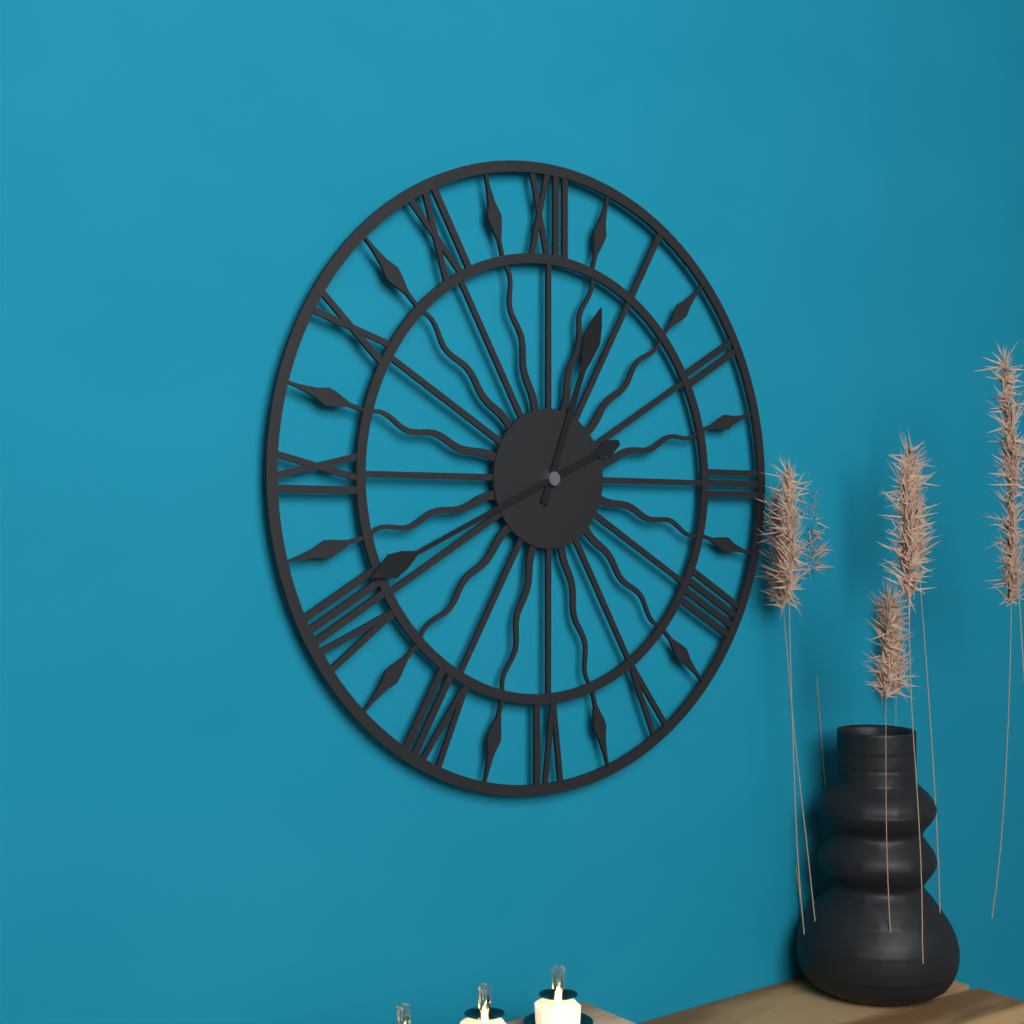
12:41
